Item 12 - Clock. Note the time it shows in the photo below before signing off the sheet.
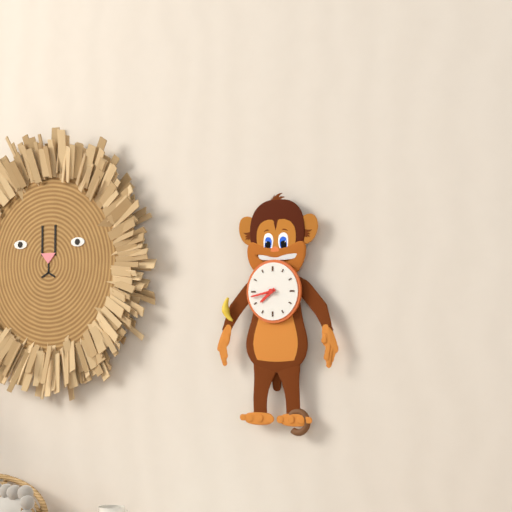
7:43
